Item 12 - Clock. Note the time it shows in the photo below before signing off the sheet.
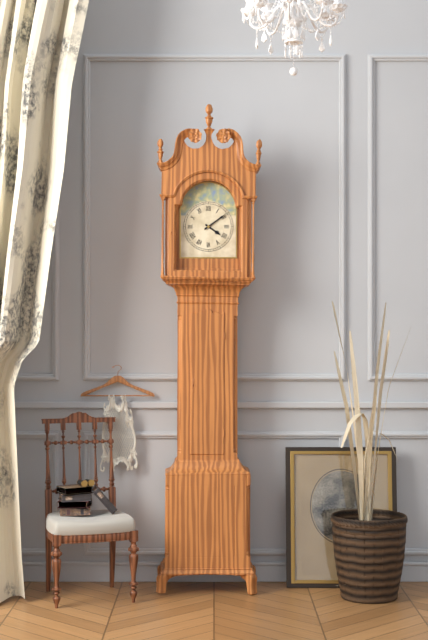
4:09
